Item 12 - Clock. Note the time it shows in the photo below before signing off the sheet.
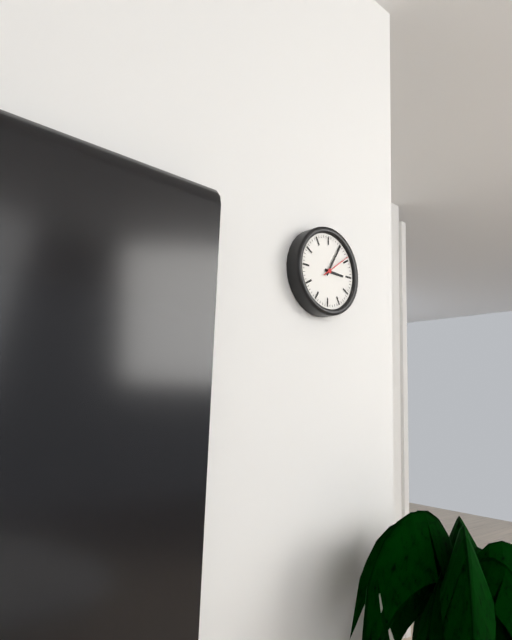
3:05
